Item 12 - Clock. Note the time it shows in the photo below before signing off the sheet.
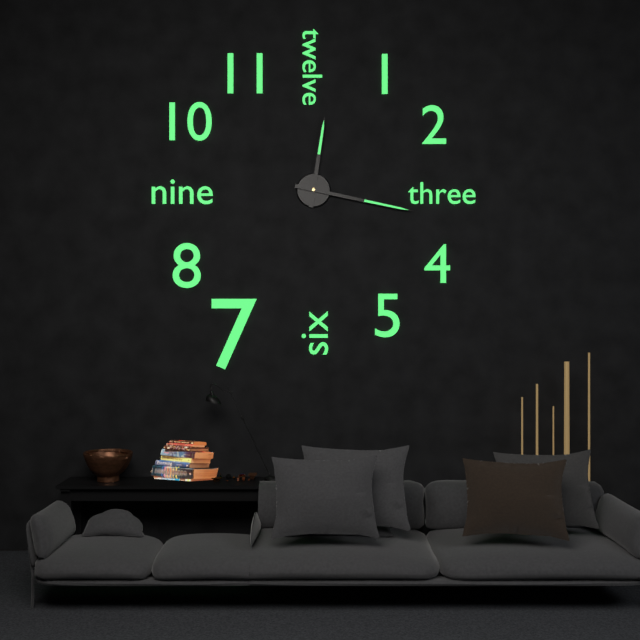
12:17
